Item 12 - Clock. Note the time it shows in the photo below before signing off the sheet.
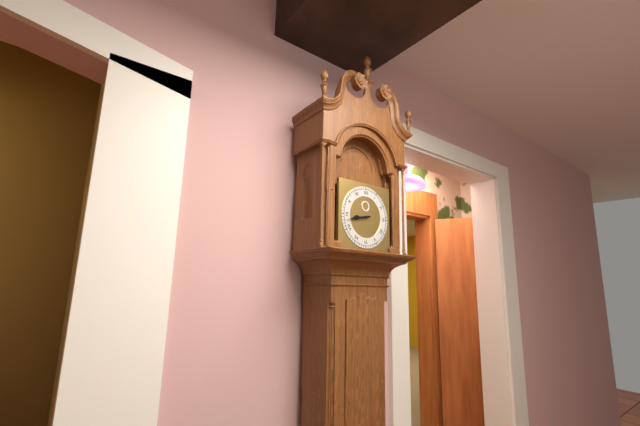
8:43
